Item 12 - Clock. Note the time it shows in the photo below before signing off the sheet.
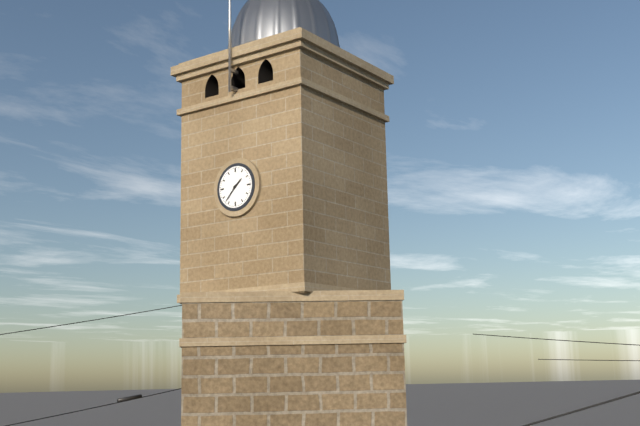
1:37
